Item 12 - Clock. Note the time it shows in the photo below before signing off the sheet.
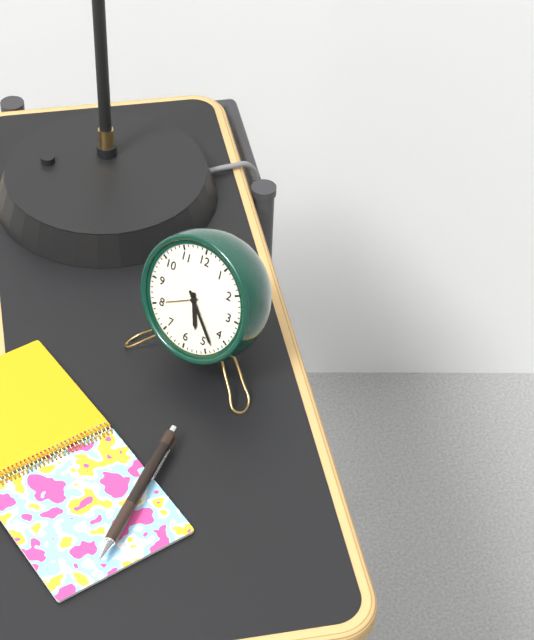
5:23
